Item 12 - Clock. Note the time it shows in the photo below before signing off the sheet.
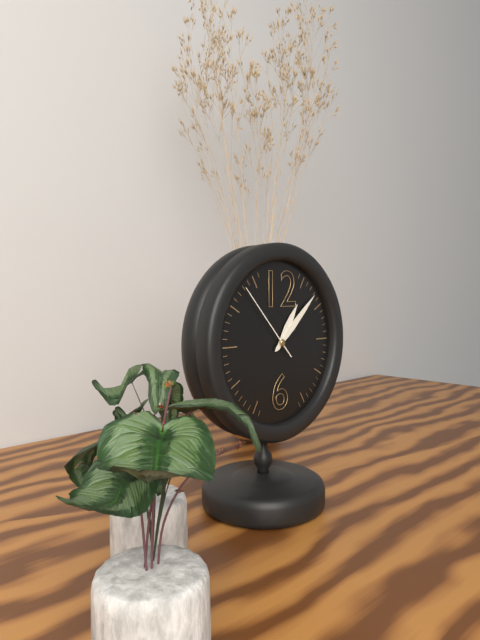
1:08:53
